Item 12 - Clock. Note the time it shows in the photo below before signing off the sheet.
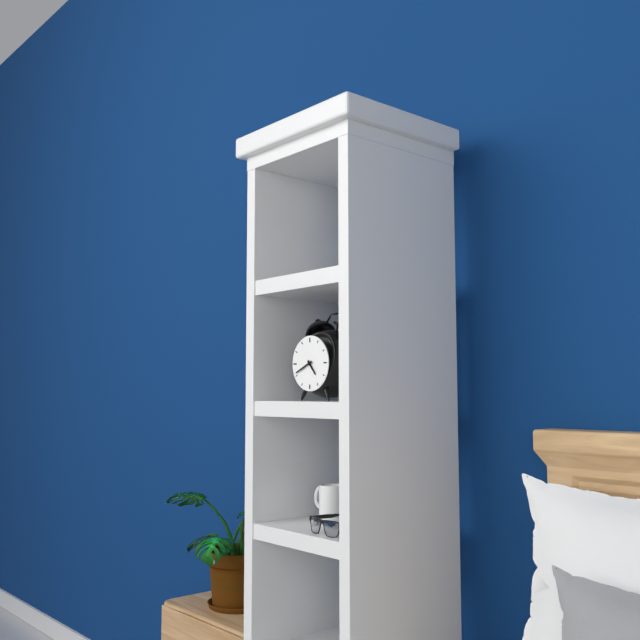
4:41
